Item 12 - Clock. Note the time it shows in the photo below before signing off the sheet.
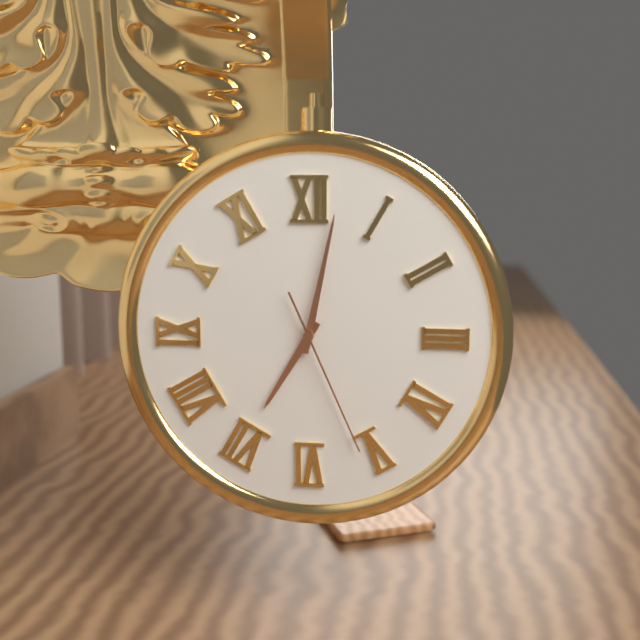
7:02:26
